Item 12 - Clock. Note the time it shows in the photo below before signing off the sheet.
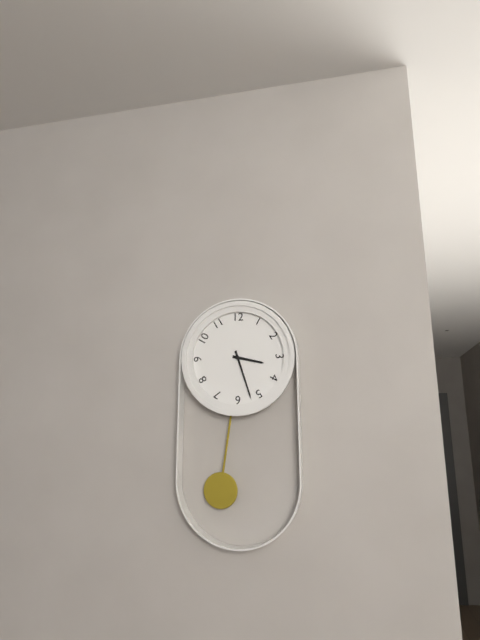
3:27
